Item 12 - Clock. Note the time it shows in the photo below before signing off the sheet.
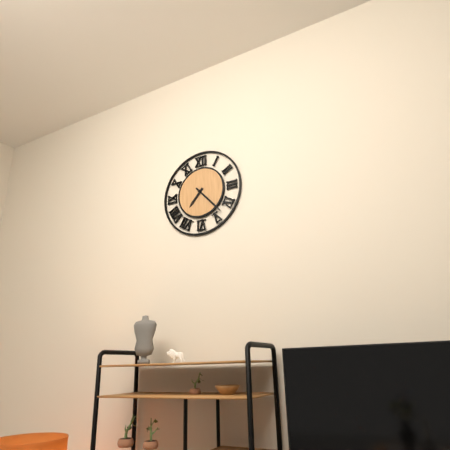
7:23
